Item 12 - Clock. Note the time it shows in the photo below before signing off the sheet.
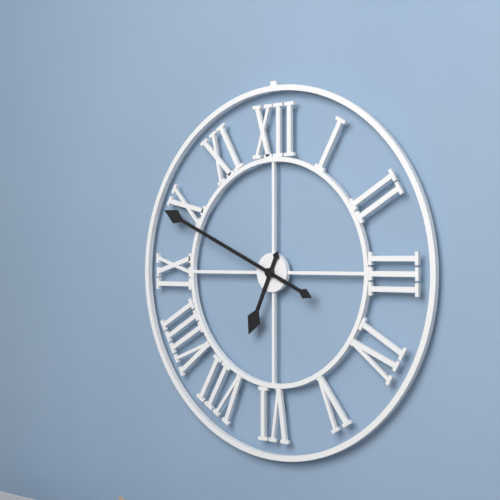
6:49
